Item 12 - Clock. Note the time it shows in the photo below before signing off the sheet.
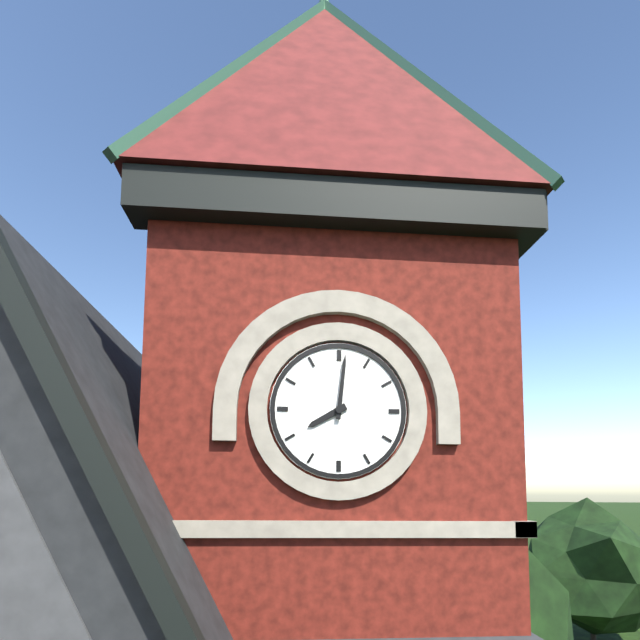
8:01
